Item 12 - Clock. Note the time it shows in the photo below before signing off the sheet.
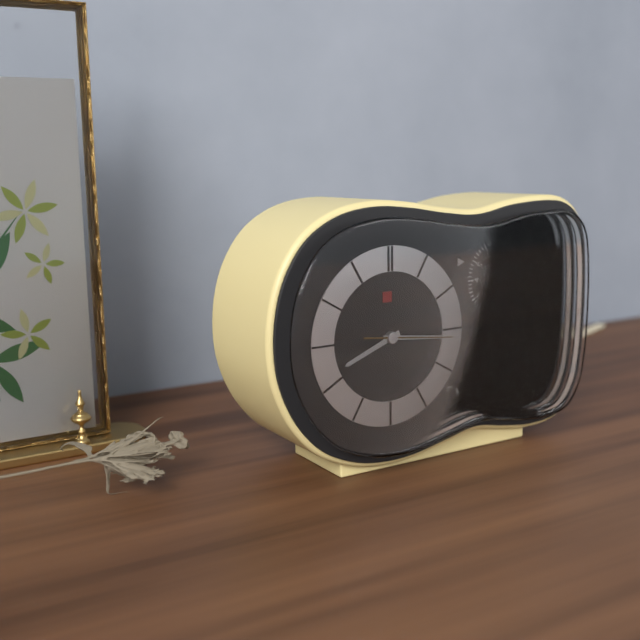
8:16:16
